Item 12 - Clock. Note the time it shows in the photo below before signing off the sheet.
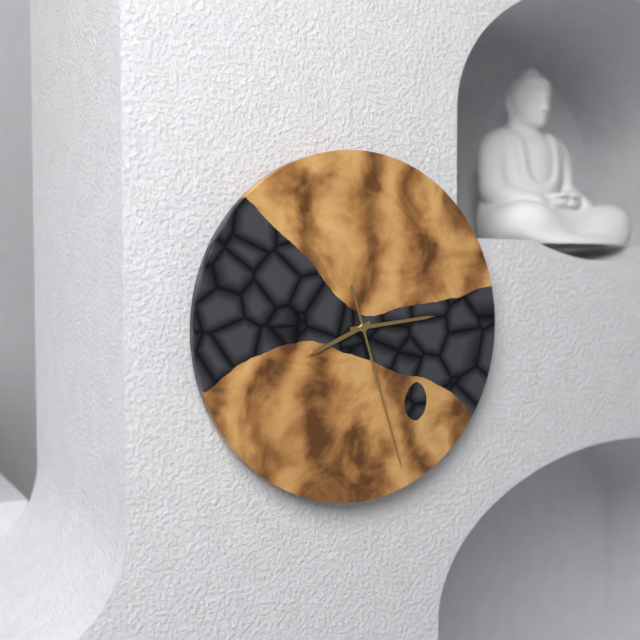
8:14:27
